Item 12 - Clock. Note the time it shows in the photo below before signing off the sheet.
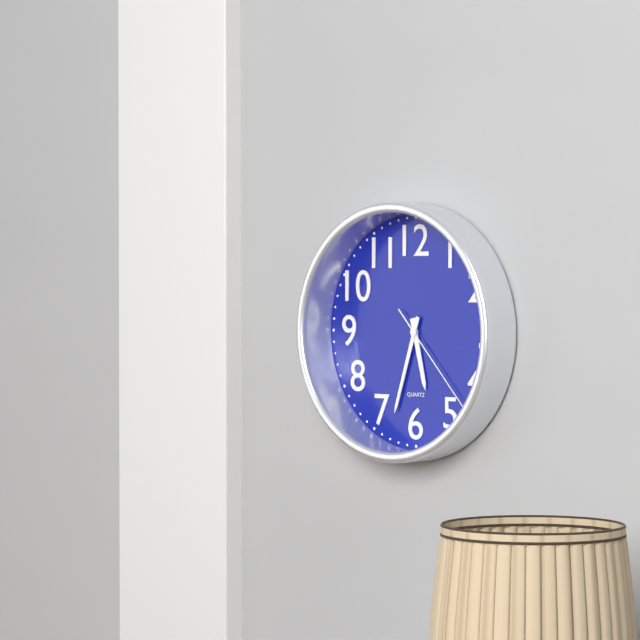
5:33:23
